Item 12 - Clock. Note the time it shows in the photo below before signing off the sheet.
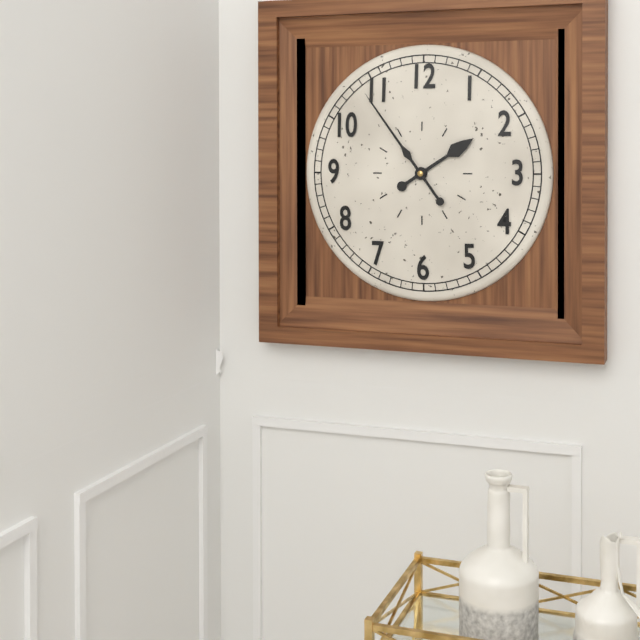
1:54
